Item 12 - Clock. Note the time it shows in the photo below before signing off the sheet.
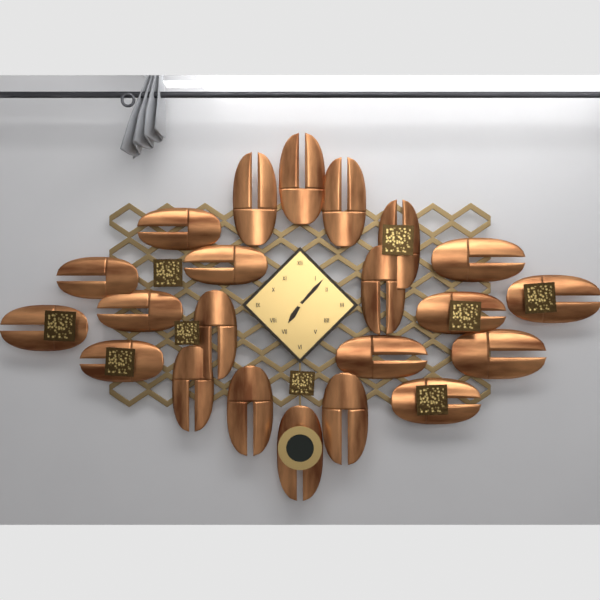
7:07
